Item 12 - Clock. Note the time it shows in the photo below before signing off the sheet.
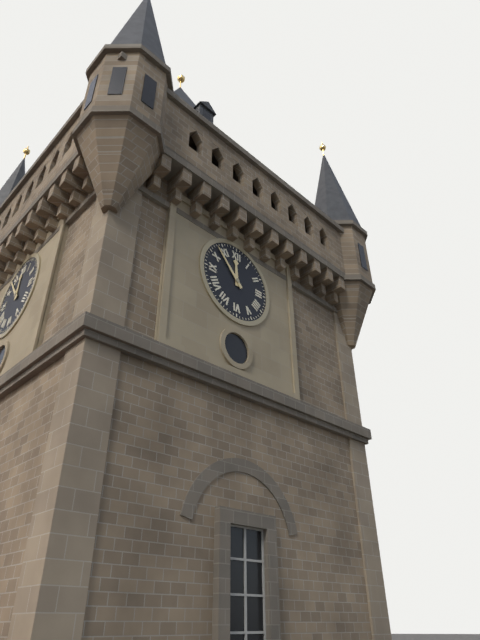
11:53
